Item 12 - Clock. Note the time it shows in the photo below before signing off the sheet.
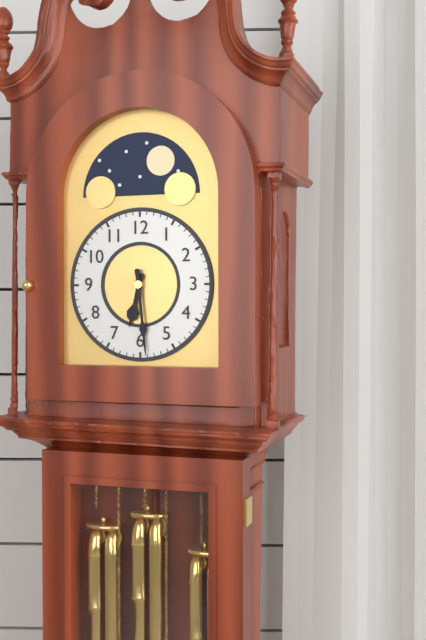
6:29
